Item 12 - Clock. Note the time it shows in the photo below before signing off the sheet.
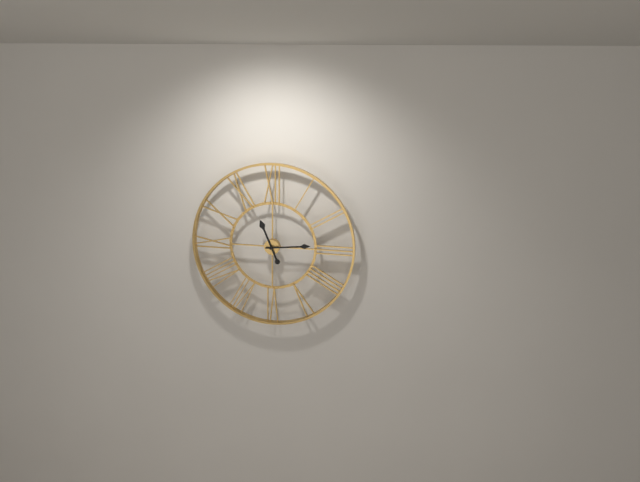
11:14
